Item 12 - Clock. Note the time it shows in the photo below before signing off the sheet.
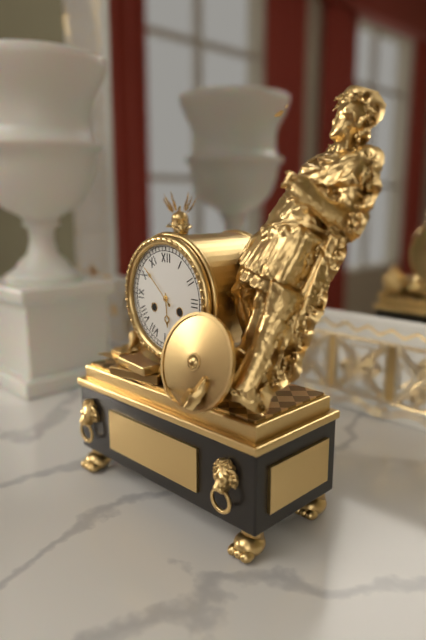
5:52
